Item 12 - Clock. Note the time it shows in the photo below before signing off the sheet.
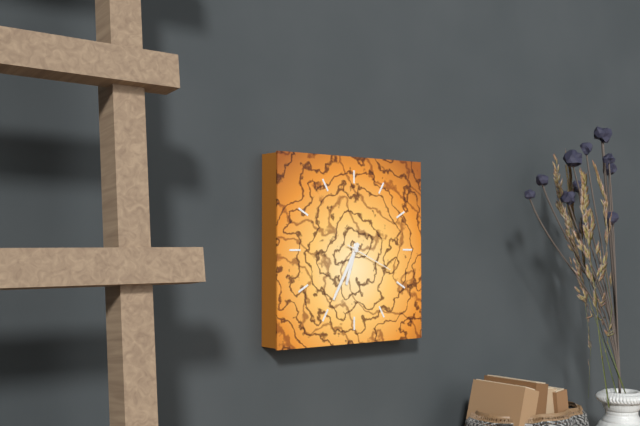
6:35:19
